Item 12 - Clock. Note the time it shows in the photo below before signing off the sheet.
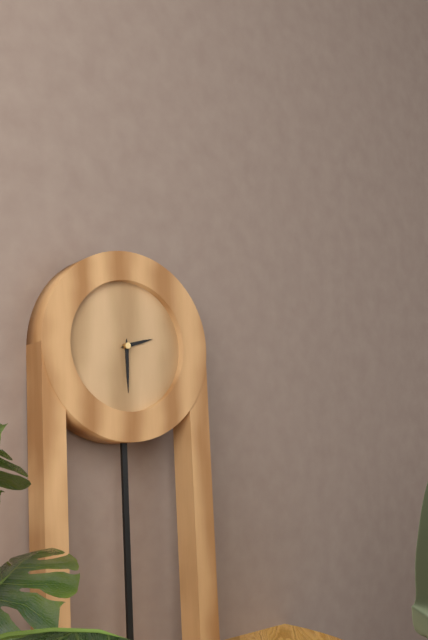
2:30
